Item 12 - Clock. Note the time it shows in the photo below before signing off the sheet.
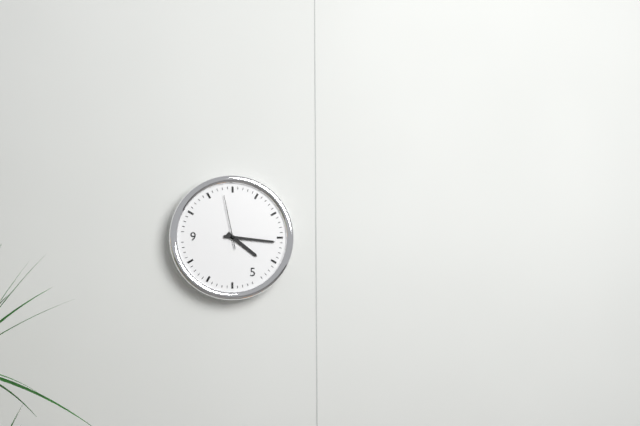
4:16:58
